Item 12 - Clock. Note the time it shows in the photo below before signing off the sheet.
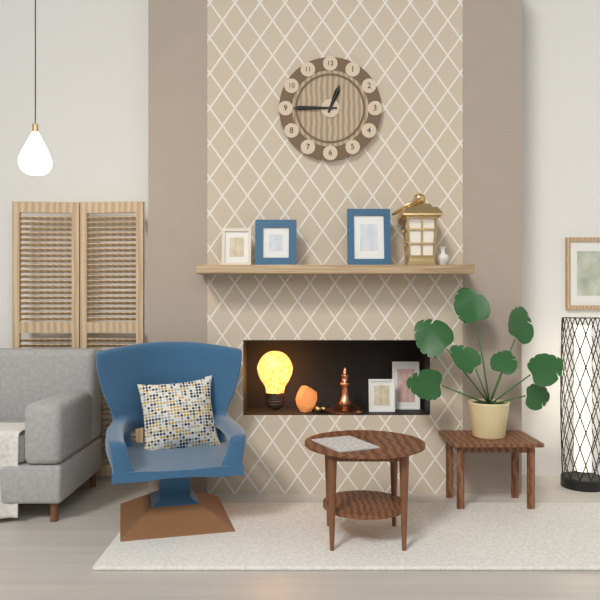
12:45
